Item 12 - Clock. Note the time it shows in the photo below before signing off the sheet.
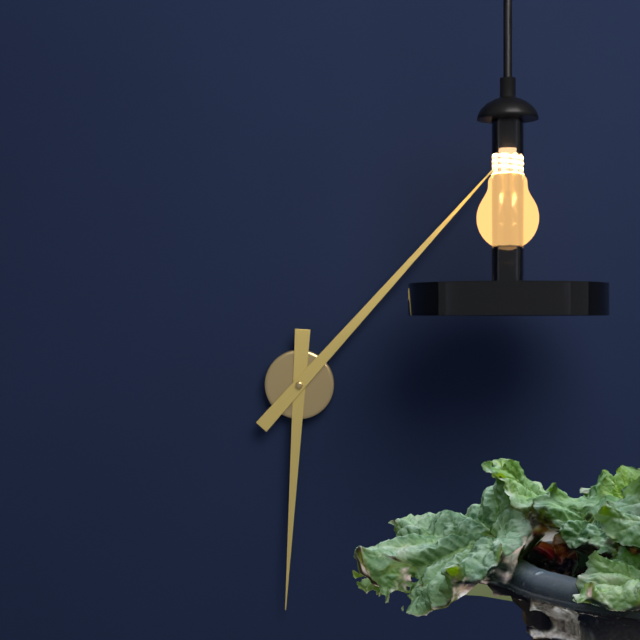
6:07
